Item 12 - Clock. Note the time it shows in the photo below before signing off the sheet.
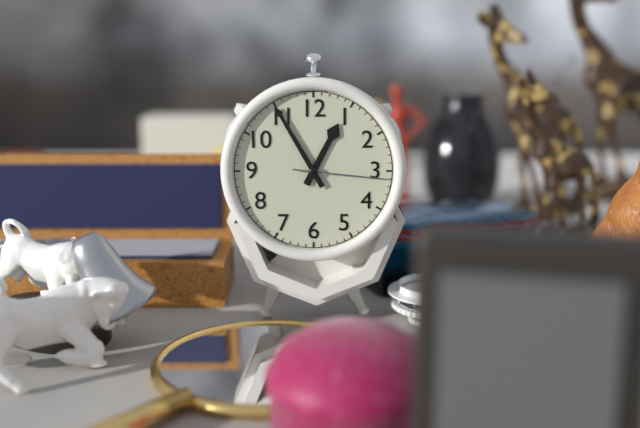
12:55:16
